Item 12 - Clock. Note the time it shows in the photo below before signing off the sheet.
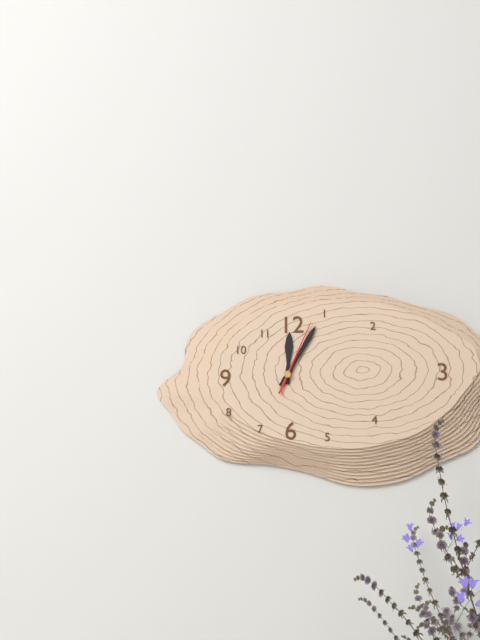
12:05:04
